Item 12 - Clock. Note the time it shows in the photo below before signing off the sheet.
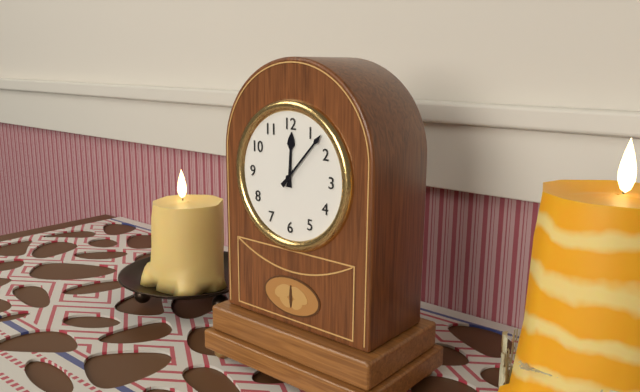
12:07
